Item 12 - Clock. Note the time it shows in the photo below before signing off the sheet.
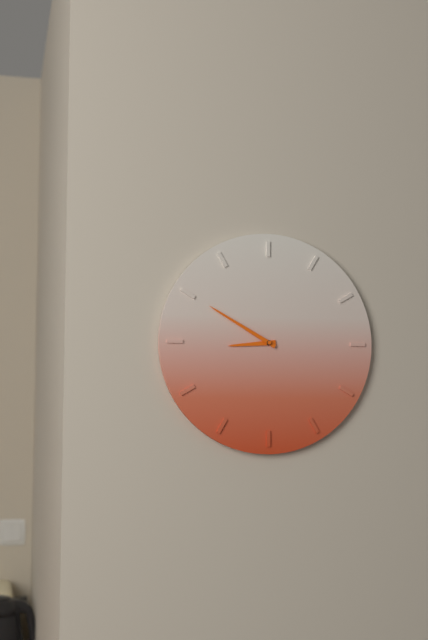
8:50
